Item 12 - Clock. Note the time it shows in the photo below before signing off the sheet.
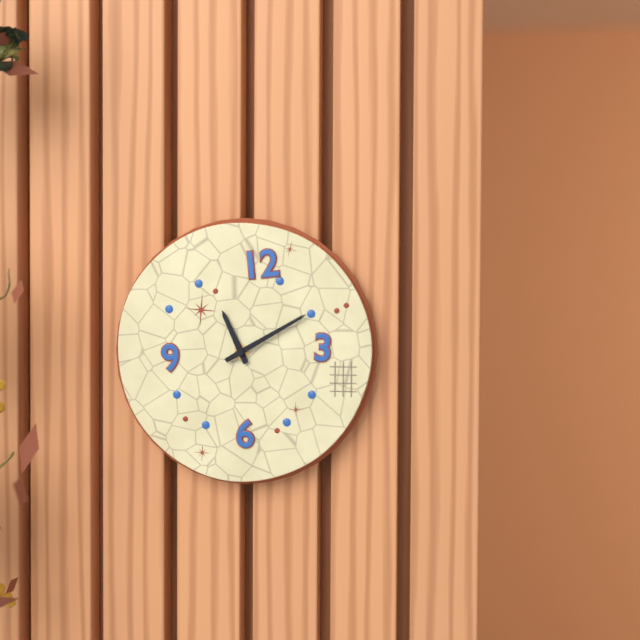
11:10
